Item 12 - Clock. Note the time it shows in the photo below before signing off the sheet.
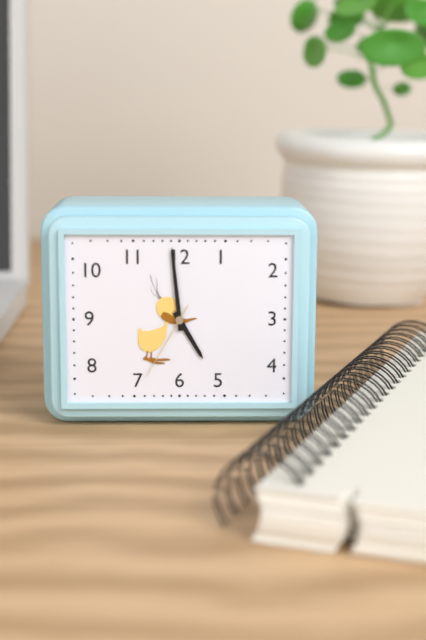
4:59:35
